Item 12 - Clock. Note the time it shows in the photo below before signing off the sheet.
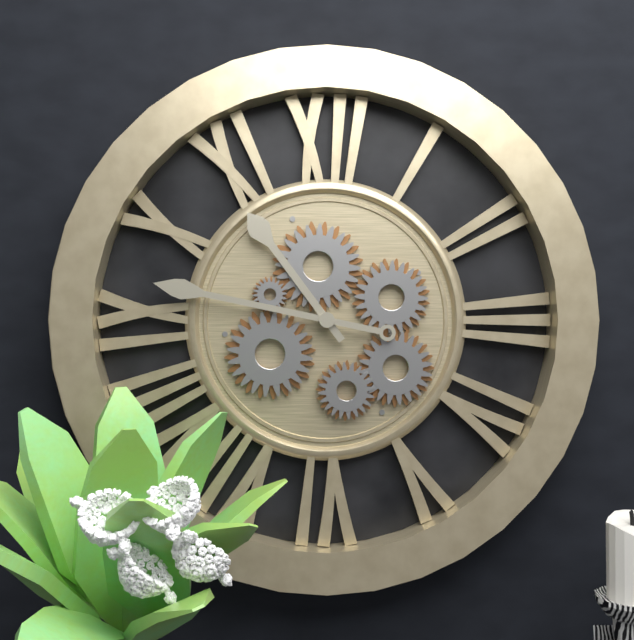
10:47
